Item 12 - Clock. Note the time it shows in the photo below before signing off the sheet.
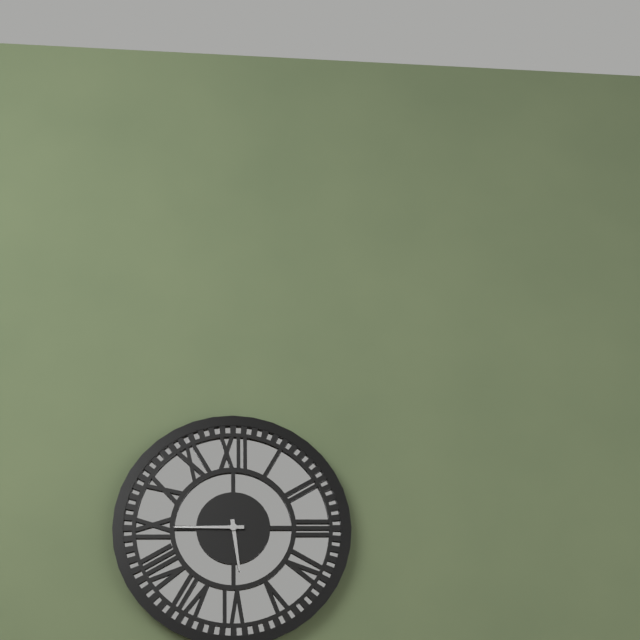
5:45
